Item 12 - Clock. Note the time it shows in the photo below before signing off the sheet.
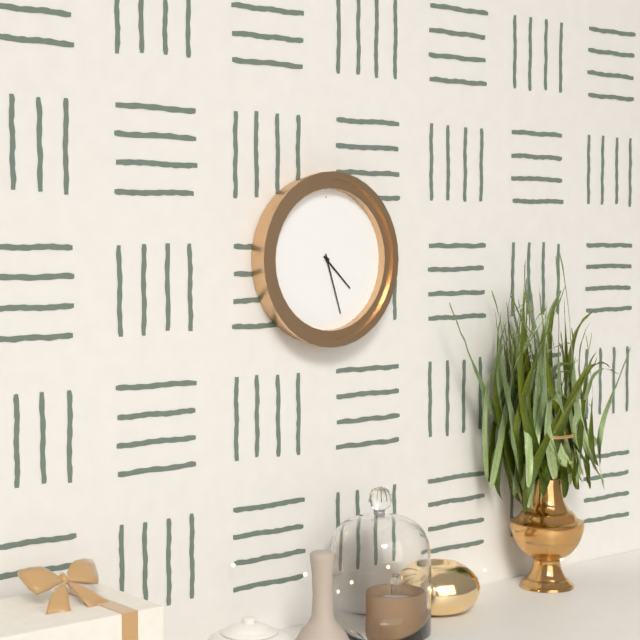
4:27
